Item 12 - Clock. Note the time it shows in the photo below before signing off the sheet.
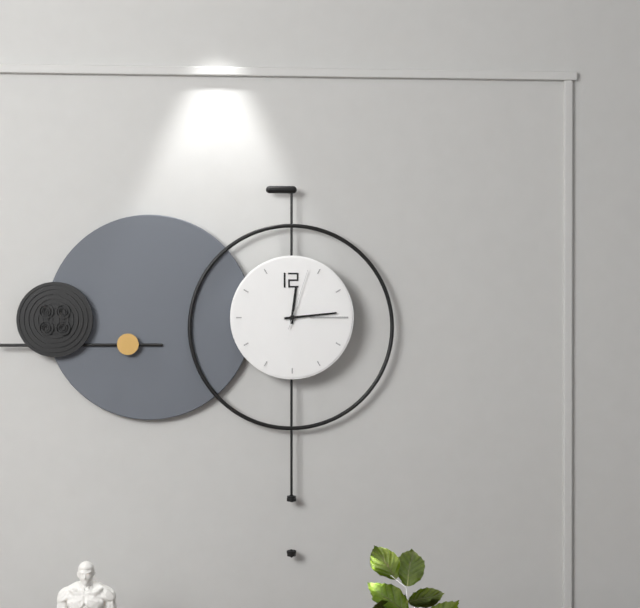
12:14:03
